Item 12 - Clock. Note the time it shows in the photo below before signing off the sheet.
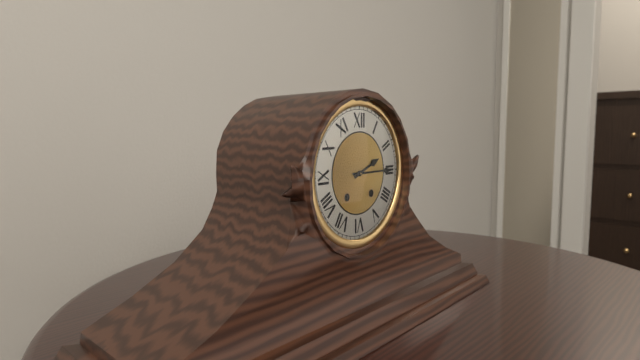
2:15
